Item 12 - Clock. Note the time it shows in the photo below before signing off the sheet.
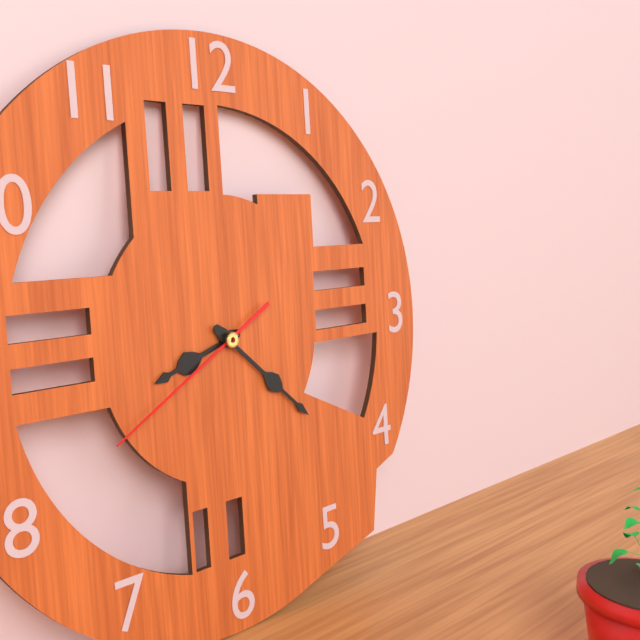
8:22:40
